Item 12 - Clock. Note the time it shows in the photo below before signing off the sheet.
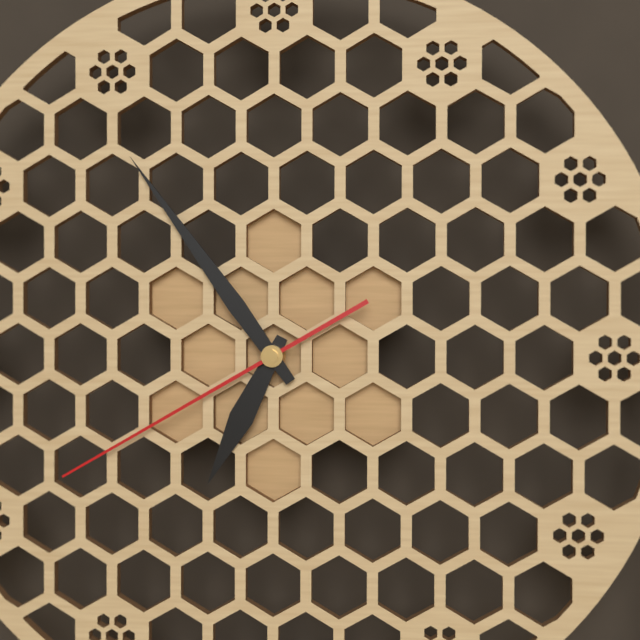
6:54:40
